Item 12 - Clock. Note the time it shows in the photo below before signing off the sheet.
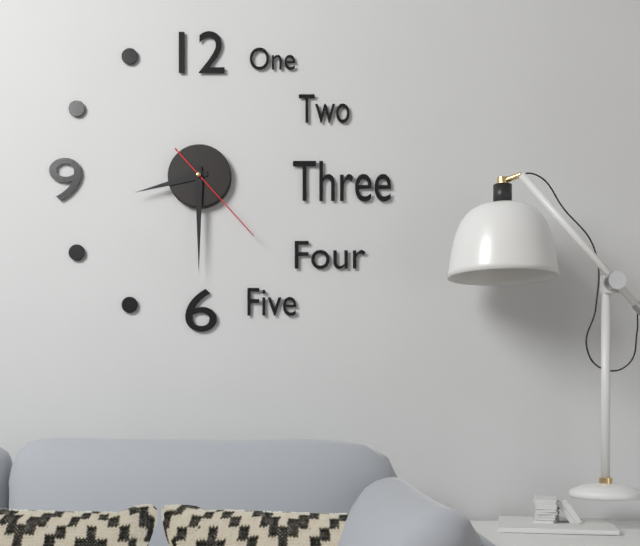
8:30:23
